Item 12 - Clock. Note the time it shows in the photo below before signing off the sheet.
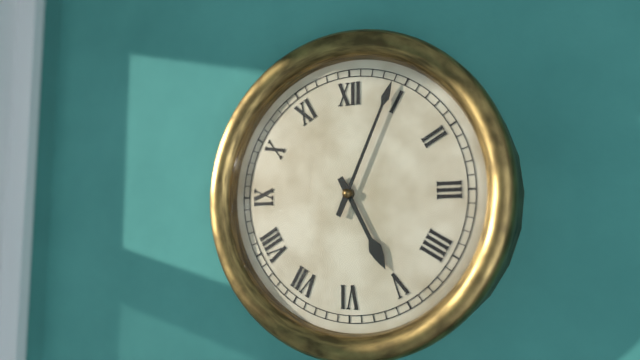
5:04
